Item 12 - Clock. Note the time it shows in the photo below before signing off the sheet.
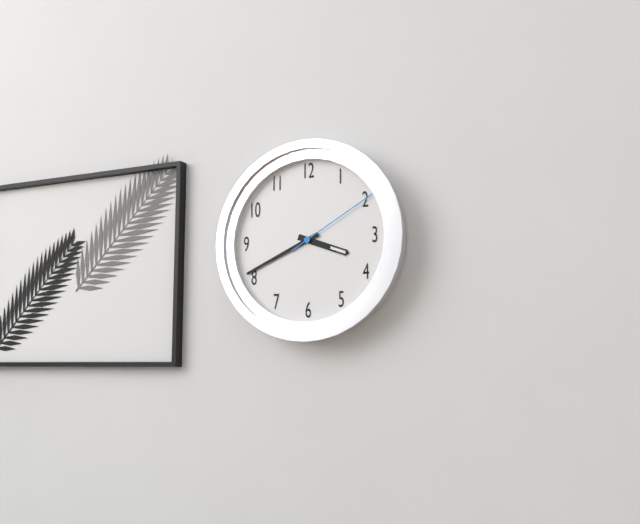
3:41:10
